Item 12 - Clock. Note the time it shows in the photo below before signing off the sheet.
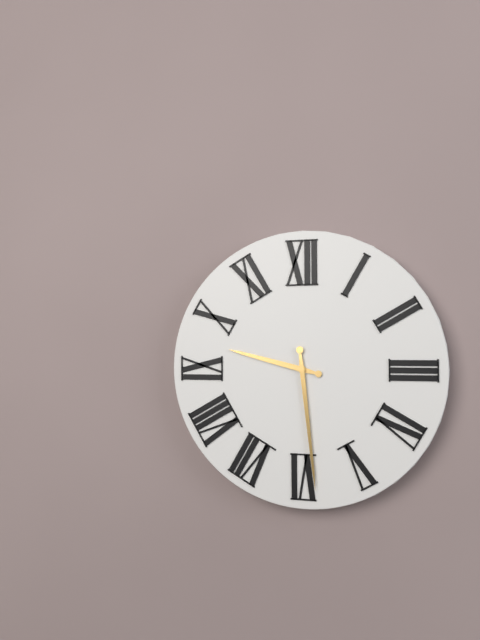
9:29
